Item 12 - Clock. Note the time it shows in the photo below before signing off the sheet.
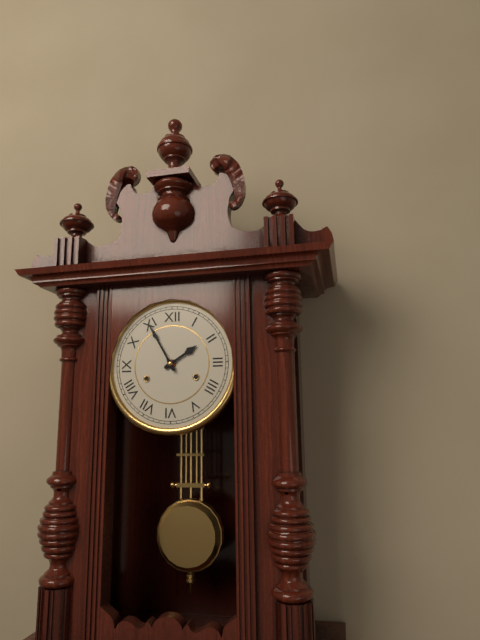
1:55
